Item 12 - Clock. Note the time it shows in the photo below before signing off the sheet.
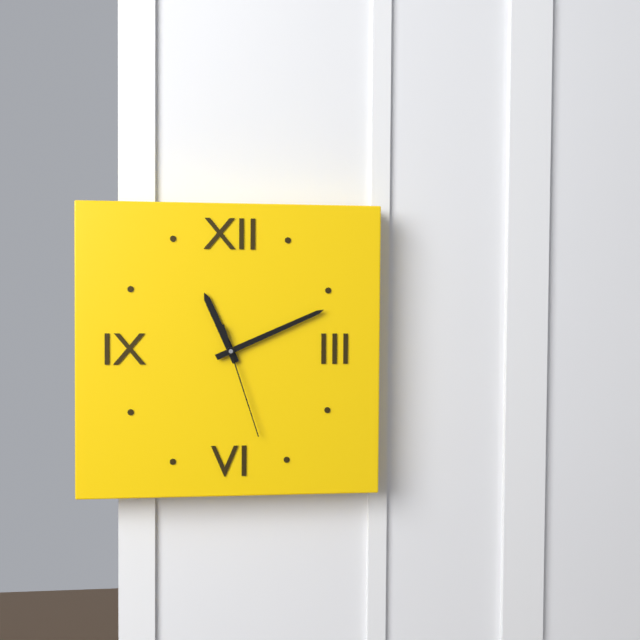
11:11:27
